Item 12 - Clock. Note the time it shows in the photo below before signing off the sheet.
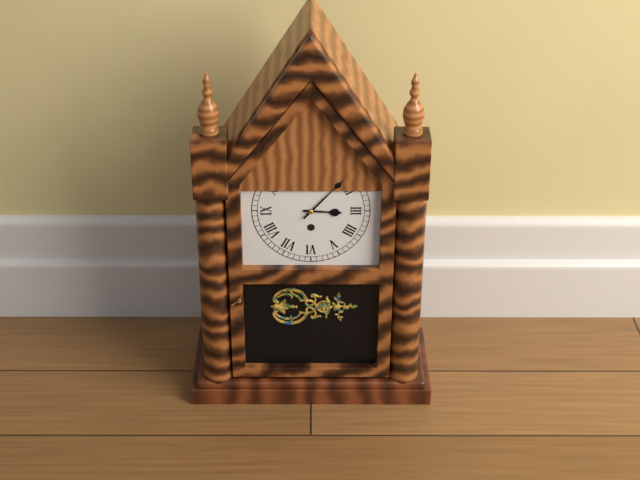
3:07
